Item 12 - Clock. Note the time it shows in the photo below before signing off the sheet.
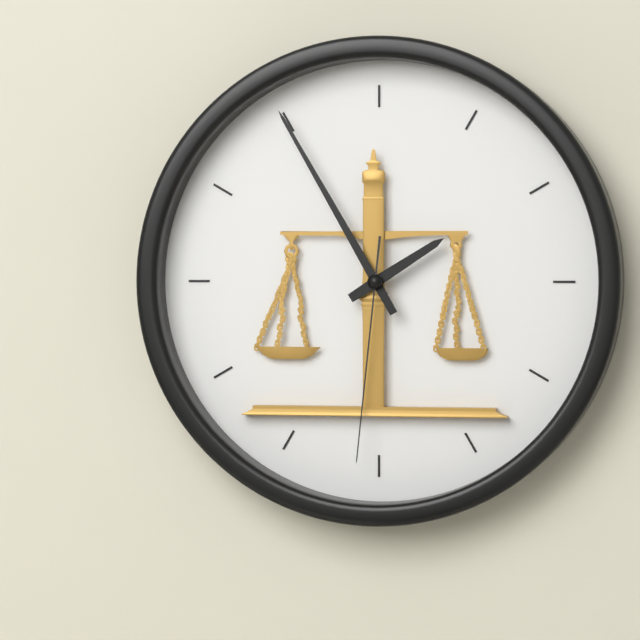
1:55:31
